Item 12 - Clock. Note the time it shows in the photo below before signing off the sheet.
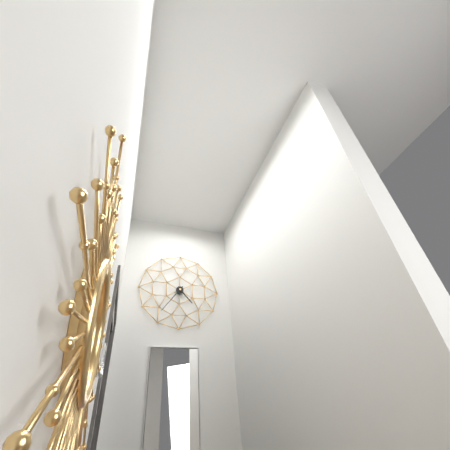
4:36
